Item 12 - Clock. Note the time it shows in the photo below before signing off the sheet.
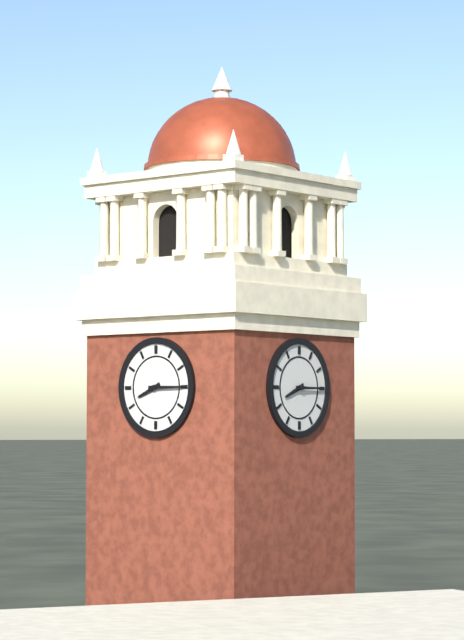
8:15
